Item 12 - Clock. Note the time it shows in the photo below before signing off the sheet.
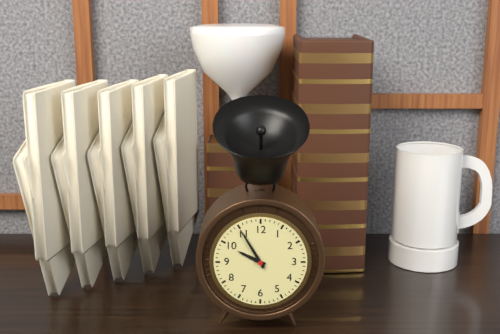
9:55
